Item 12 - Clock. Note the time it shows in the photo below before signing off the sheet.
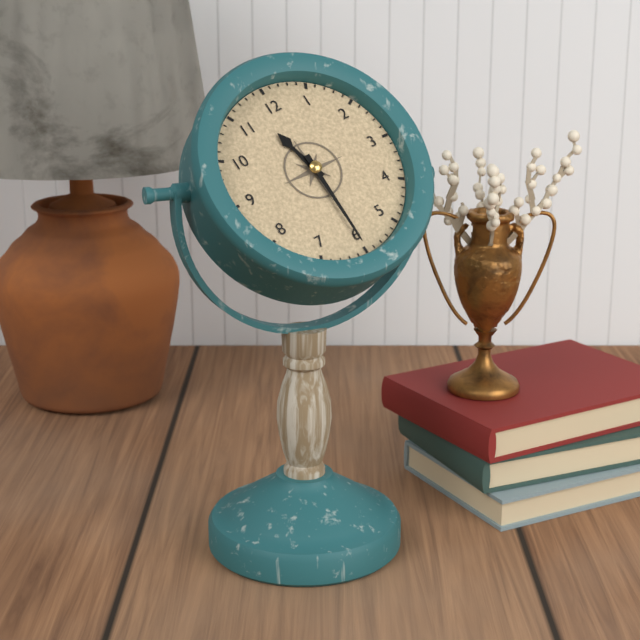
11:30
